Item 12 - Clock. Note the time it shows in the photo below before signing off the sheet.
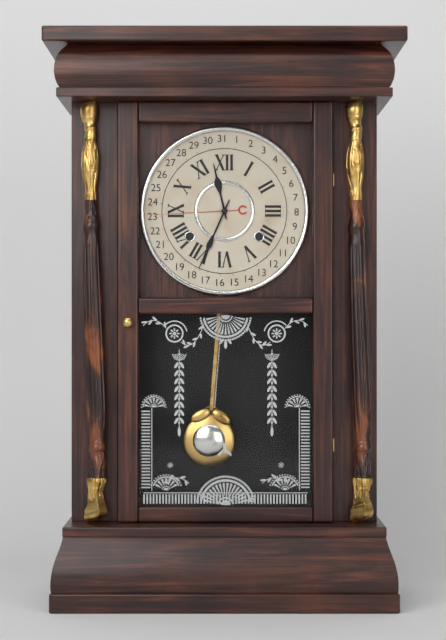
11:34
